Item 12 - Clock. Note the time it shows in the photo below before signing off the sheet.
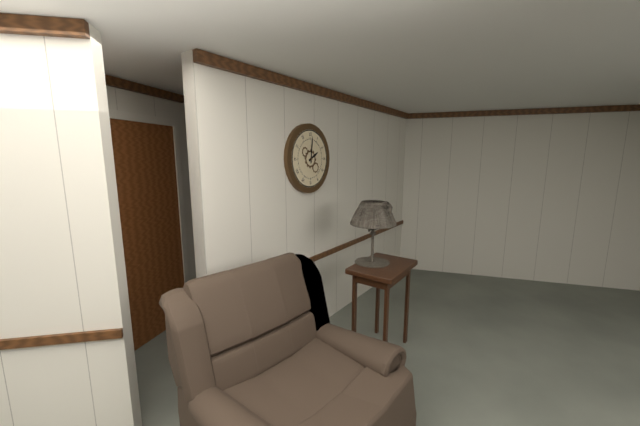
2:01
